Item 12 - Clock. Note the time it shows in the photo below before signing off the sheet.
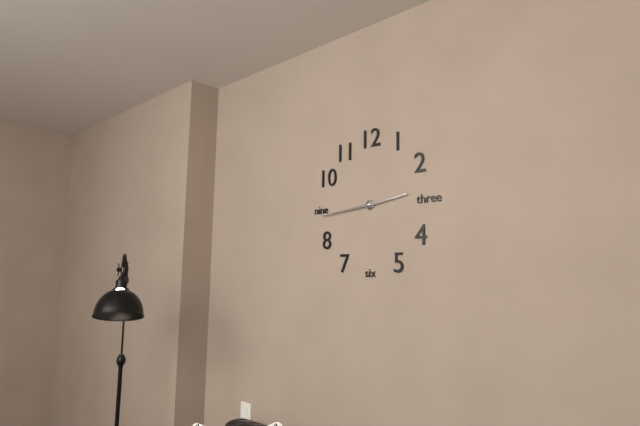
2:44
